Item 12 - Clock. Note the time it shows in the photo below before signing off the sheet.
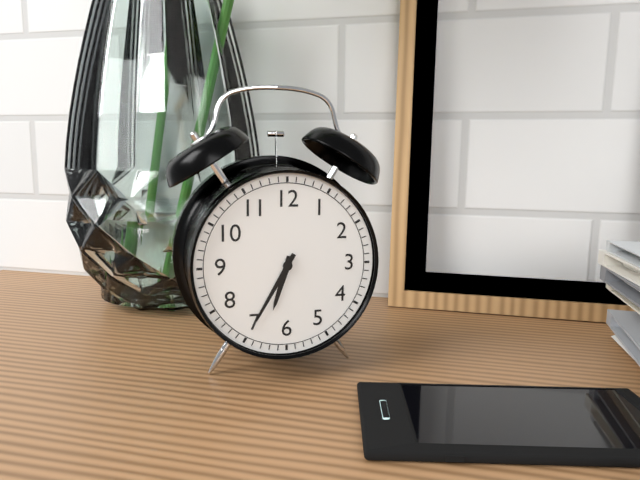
6:35
